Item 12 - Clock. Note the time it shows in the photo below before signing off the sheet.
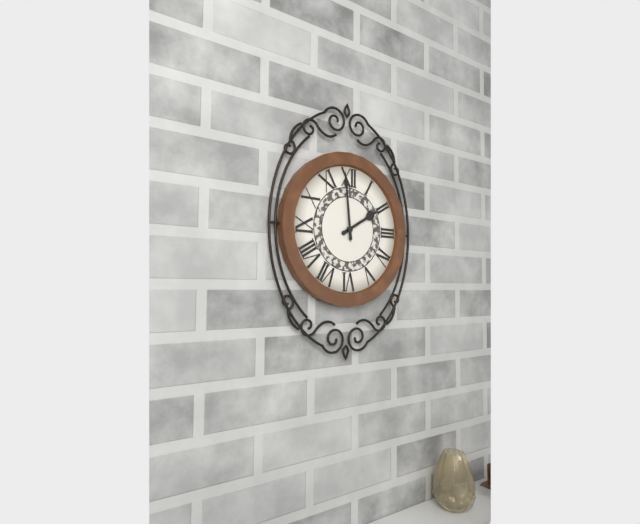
1:59
